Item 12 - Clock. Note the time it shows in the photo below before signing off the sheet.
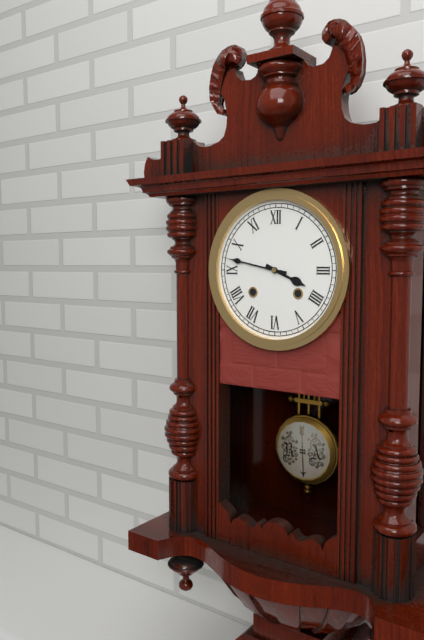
3:47
